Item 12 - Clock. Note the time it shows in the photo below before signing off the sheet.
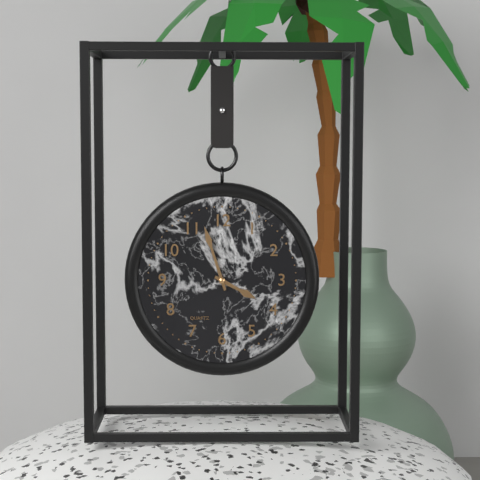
3:57
